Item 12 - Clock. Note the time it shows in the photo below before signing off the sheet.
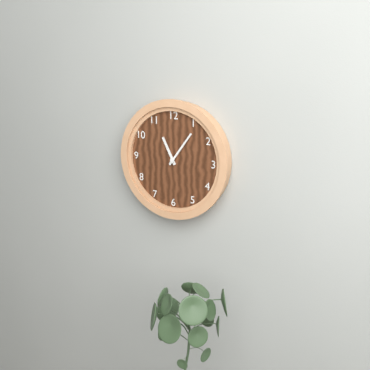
11:06
